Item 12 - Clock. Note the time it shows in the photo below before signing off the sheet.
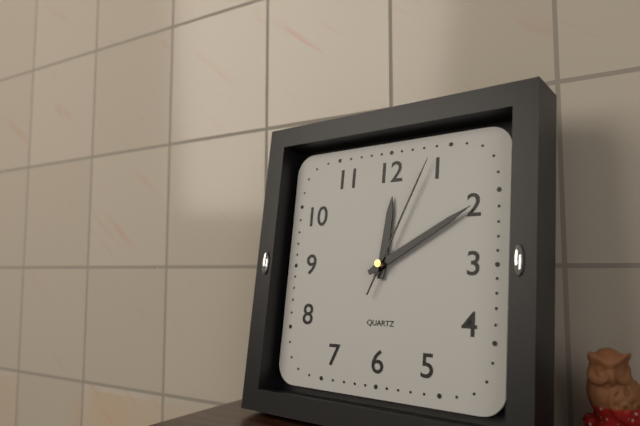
12:10:04
